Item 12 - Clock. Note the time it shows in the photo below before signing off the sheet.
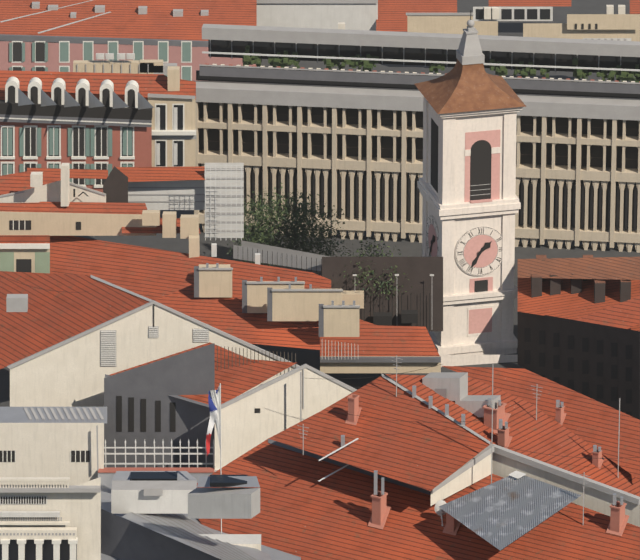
1:35
